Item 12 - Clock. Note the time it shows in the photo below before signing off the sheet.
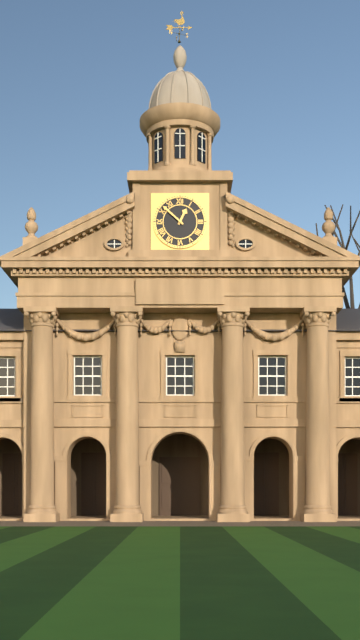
12:52
